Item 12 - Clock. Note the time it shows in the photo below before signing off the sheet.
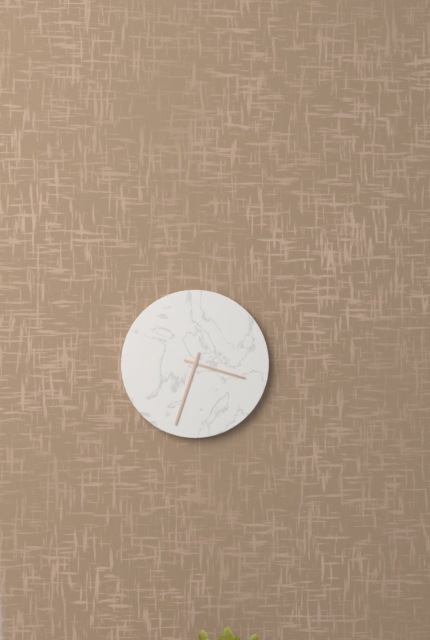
3:33
